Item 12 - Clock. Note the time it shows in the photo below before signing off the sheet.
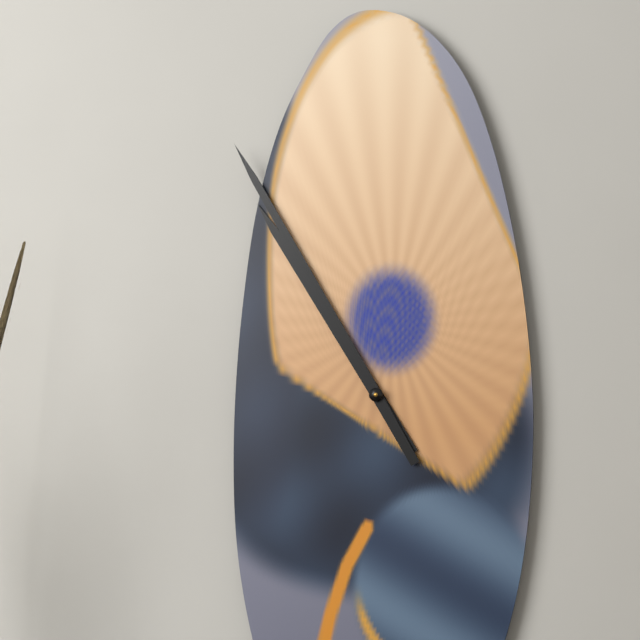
10:55
